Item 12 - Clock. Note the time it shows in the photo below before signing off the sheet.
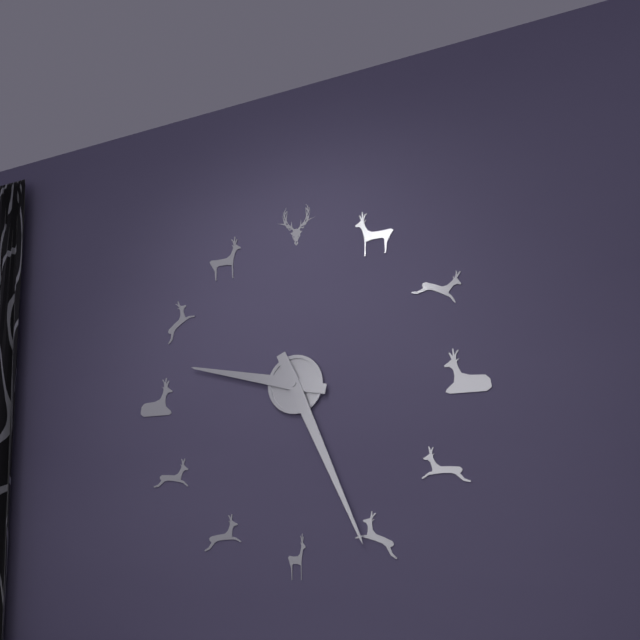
9:26
